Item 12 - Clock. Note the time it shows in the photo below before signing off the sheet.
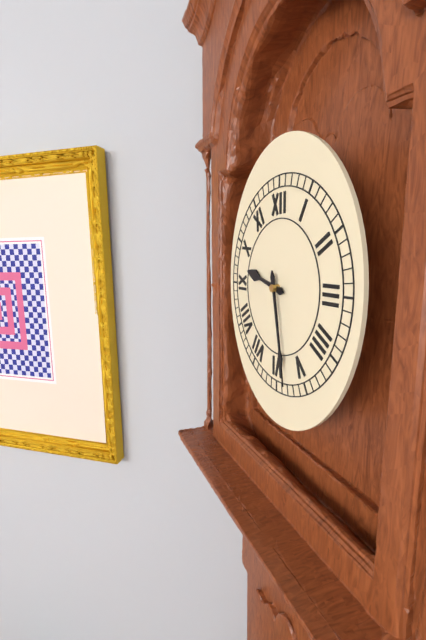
9:28
